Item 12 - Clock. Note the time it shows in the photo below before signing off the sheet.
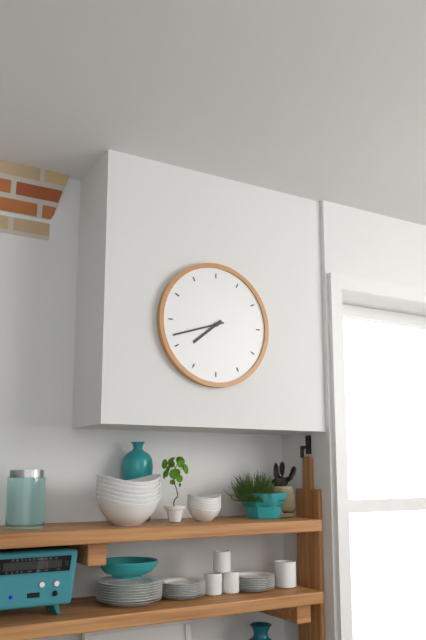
7:42
